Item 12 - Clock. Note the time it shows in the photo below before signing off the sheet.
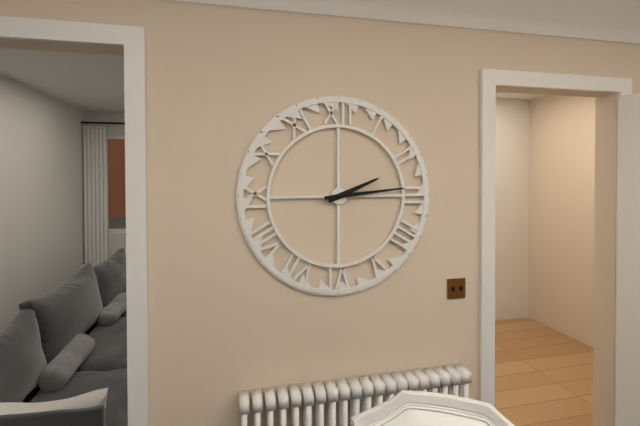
2:14
